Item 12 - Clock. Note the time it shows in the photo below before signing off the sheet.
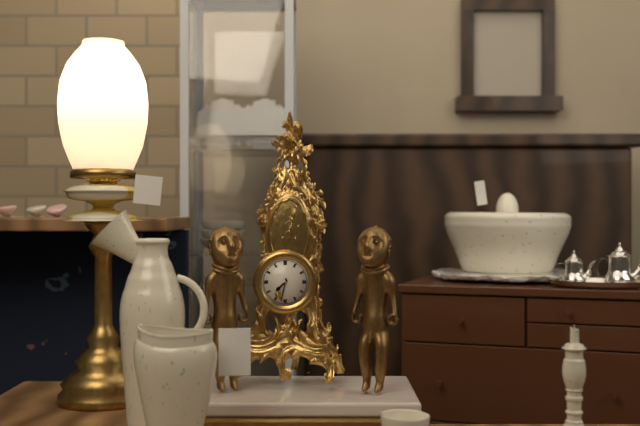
7:32
